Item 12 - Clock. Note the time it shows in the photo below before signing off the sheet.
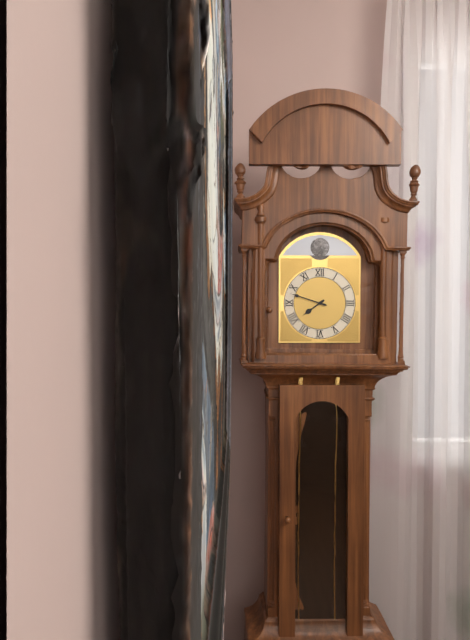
7:48
